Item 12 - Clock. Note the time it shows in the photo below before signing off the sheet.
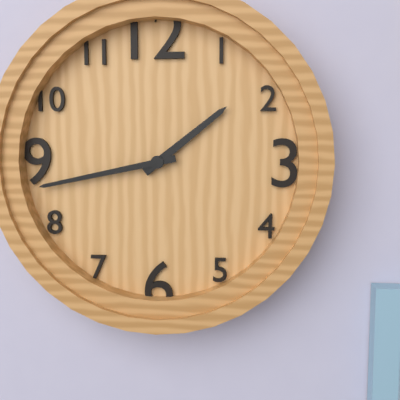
1:43
